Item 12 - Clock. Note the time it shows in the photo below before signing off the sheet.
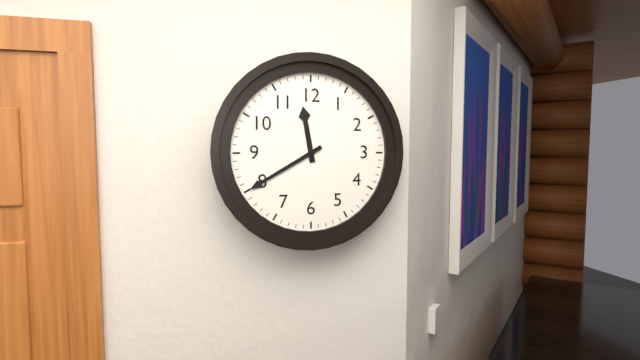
11:40
